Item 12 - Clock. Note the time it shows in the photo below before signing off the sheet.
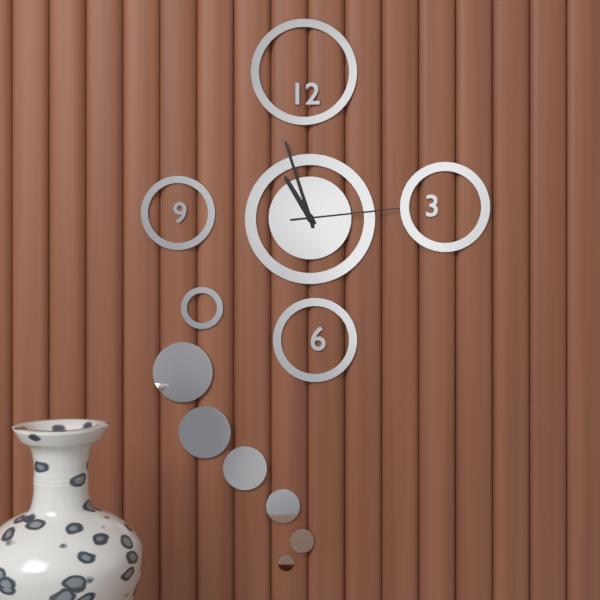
10:57:14
